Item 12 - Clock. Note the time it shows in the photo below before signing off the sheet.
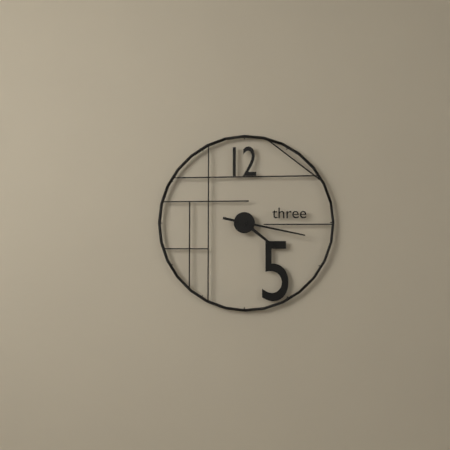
4:17
